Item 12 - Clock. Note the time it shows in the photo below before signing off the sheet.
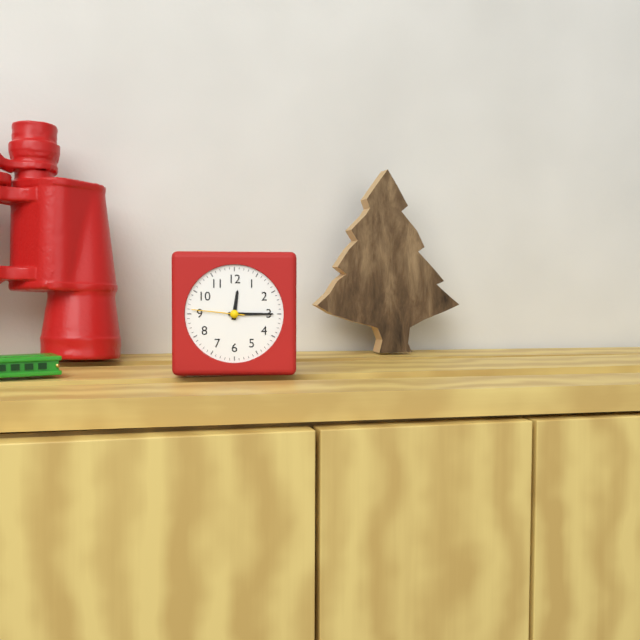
12:15:46
